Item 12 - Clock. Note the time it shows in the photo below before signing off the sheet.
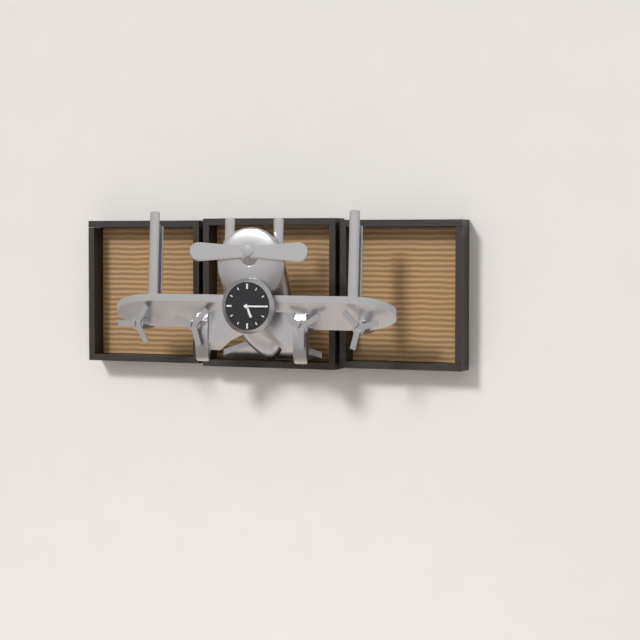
5:15
